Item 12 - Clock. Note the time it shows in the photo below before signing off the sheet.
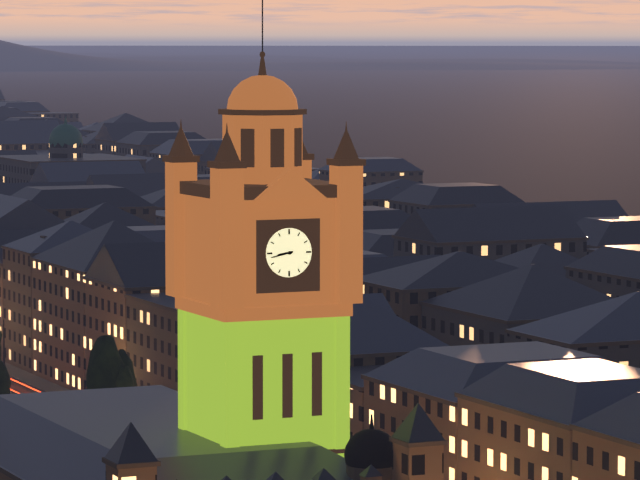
8:43
